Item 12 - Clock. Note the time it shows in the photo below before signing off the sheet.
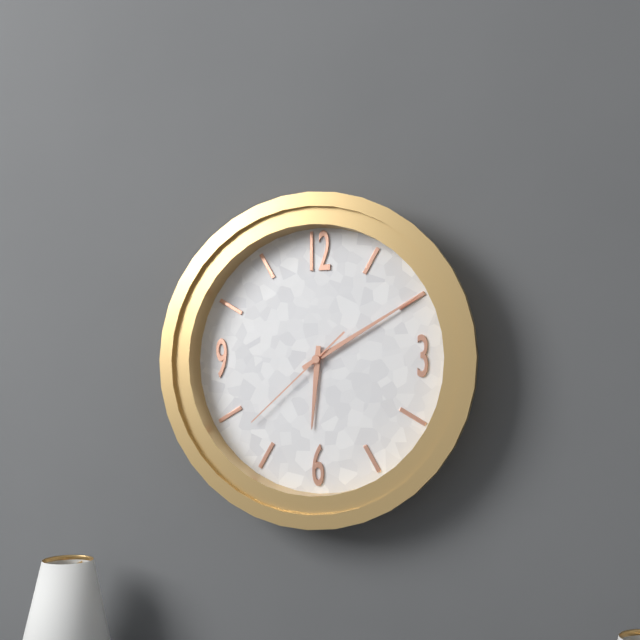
6:10:38
